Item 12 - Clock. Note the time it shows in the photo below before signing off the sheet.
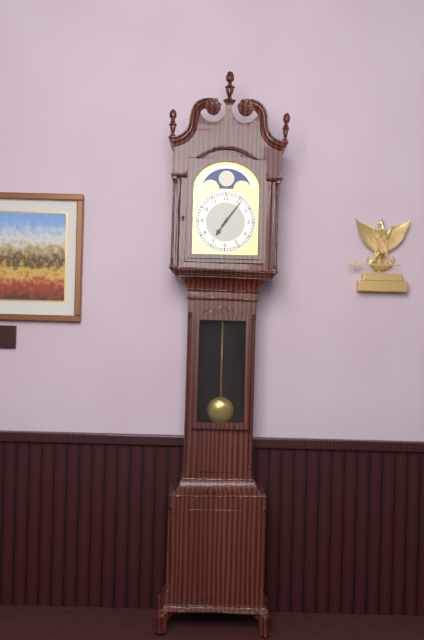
7:06
